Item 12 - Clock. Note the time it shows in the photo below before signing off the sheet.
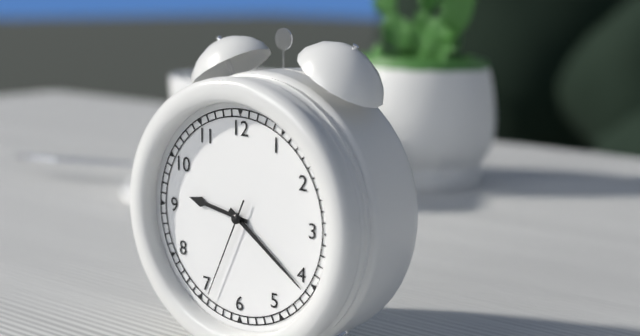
9:21:34
